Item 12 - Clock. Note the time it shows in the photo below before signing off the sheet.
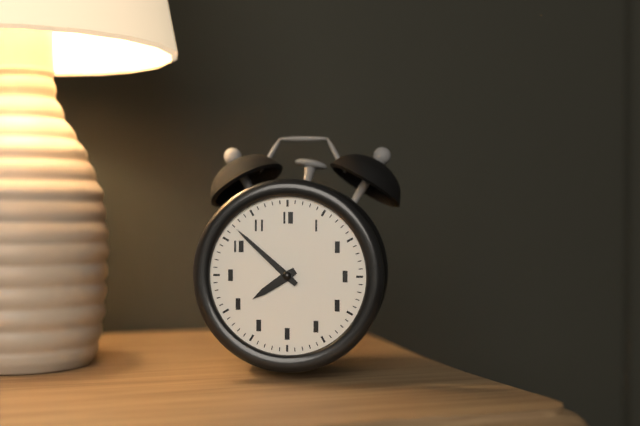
7:52
